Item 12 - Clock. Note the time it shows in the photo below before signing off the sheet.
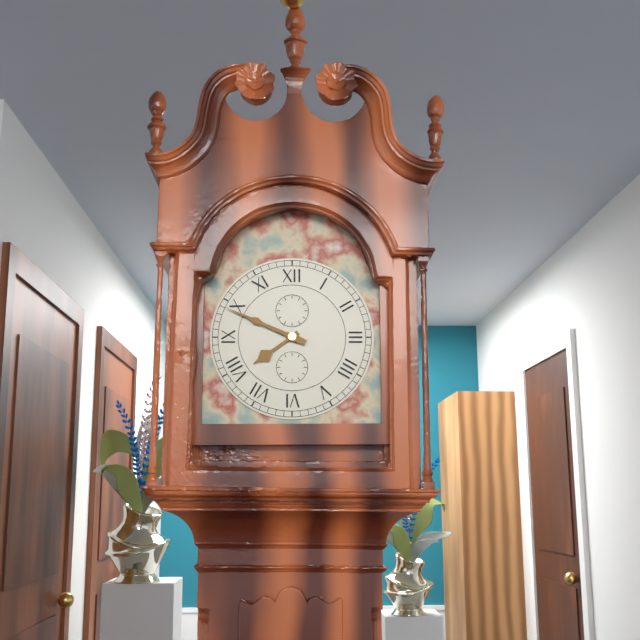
7:49
